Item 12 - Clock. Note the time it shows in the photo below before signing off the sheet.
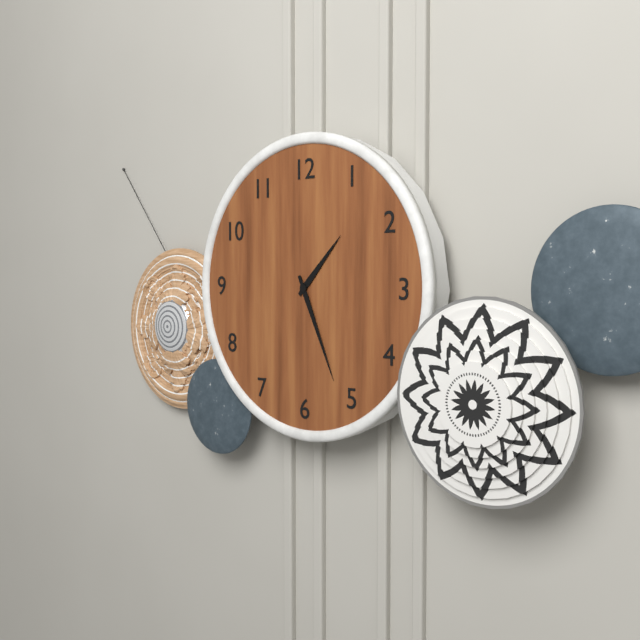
1:26
